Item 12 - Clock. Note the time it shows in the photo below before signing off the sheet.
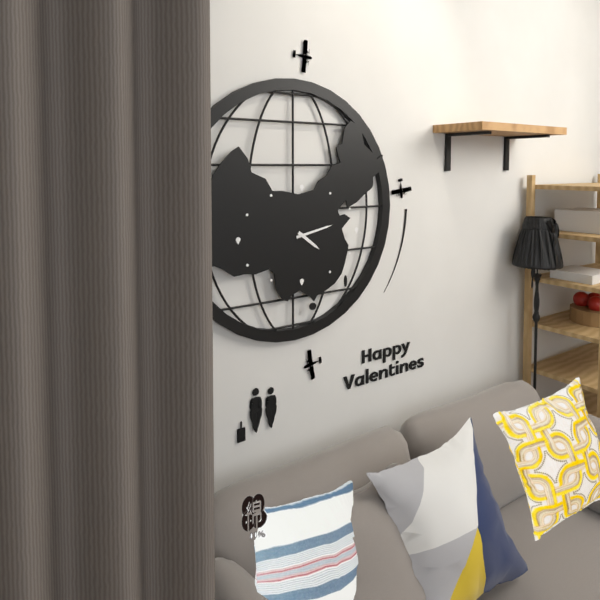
4:13
